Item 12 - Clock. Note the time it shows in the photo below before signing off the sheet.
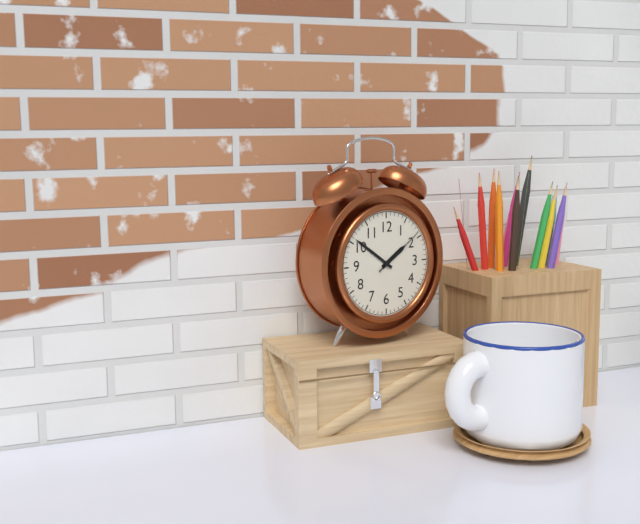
1:51:09
